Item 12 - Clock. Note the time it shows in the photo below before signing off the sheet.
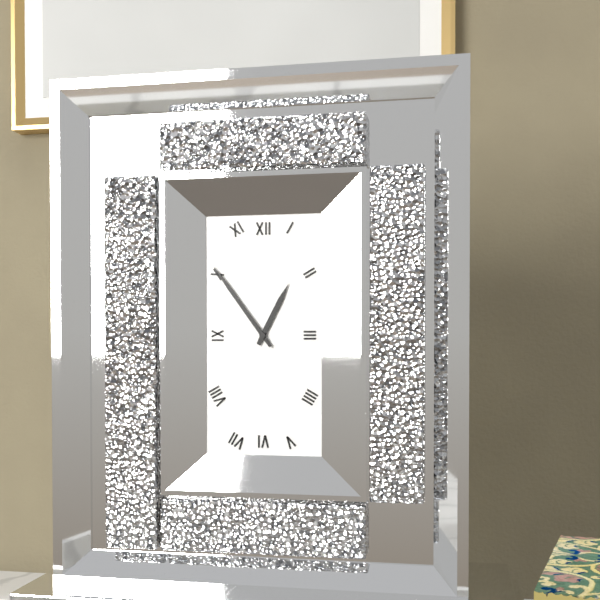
12:54
